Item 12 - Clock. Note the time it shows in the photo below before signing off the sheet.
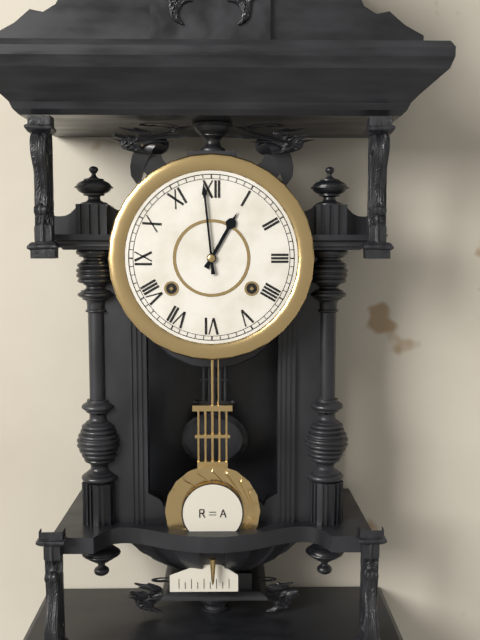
12:59
